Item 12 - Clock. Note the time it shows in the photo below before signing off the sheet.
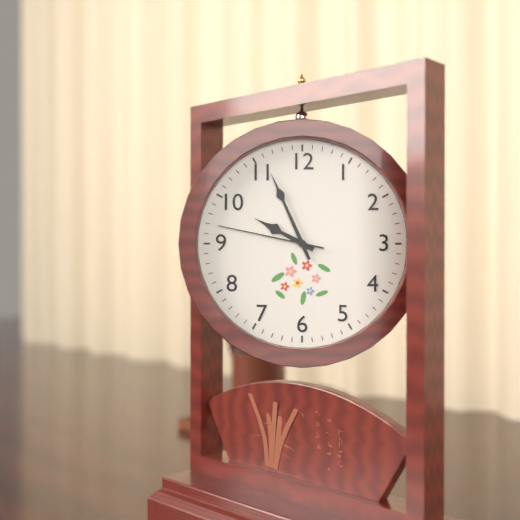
9:56:47
